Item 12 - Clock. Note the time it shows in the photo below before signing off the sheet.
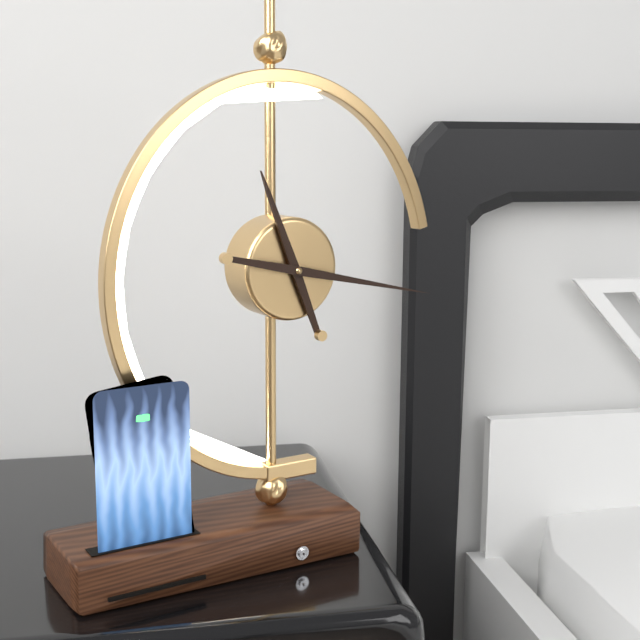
11:17
